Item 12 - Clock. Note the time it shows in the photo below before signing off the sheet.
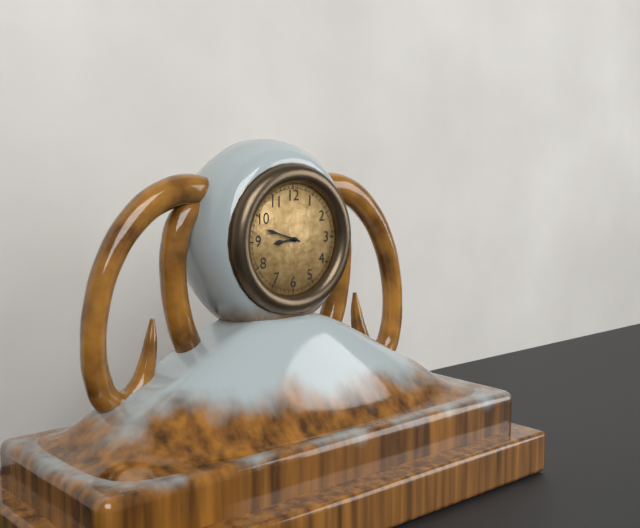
8:48
